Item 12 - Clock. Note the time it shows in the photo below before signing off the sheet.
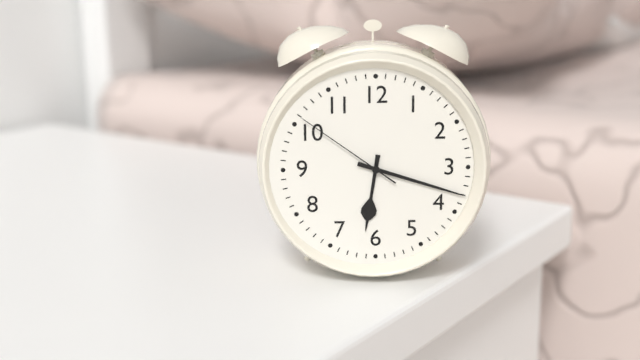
6:18:51
